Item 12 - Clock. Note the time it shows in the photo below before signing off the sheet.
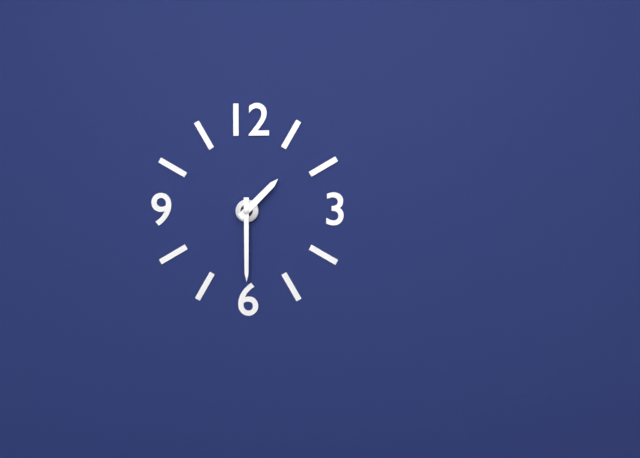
1:30
